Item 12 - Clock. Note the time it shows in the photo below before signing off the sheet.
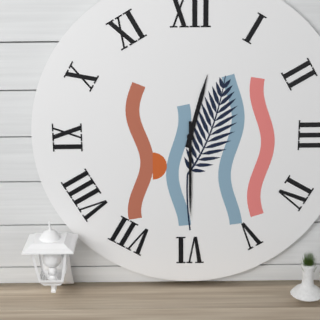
12:30
